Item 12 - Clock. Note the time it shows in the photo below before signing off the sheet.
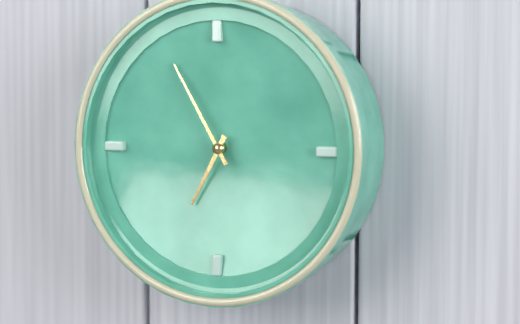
6:55
